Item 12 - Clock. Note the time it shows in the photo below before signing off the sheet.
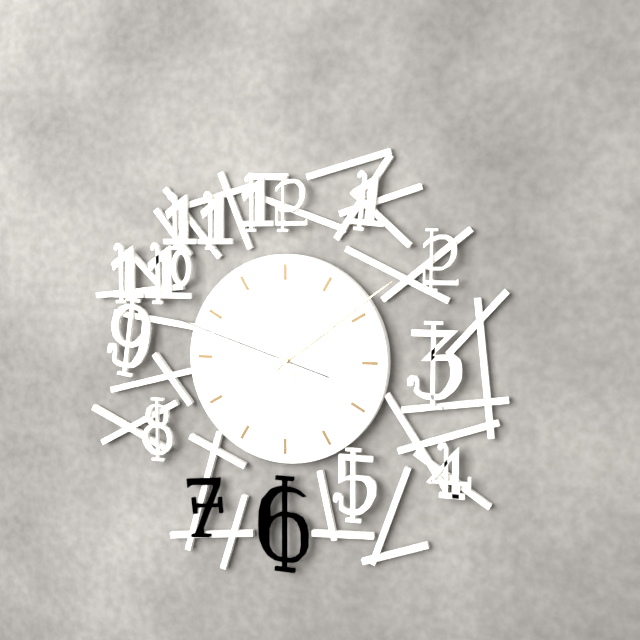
11:09:48
